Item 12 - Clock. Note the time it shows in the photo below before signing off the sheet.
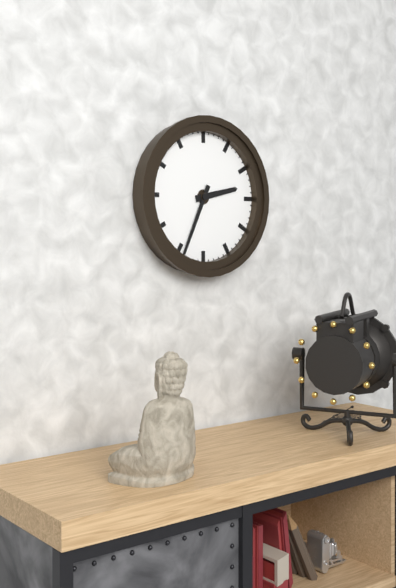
2:34
